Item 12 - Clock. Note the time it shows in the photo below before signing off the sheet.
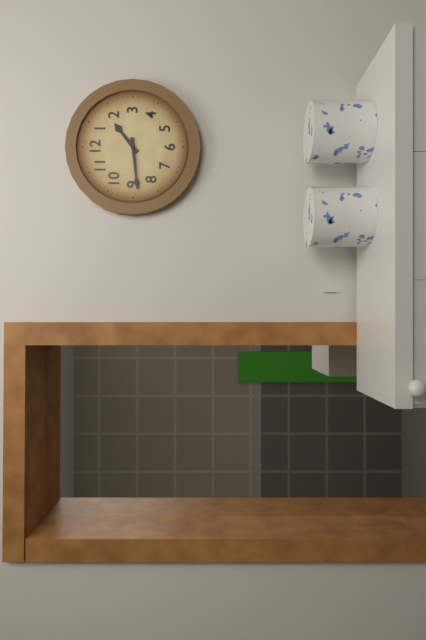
1:44
